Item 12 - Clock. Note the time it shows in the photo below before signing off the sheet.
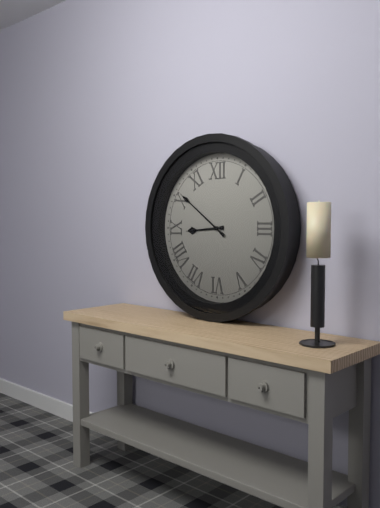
8:51
